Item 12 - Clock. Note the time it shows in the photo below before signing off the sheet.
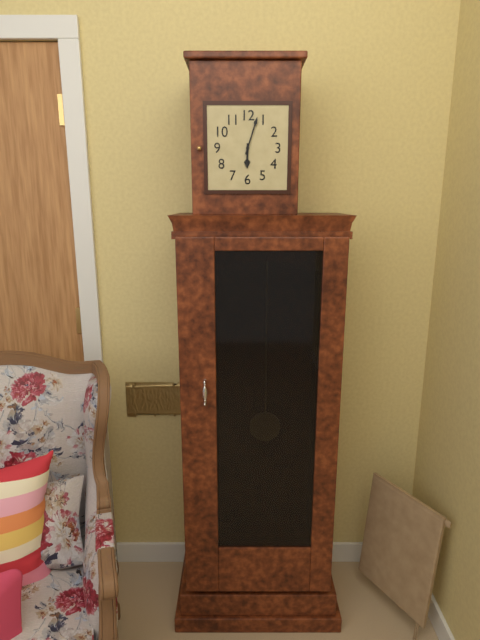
6:03
